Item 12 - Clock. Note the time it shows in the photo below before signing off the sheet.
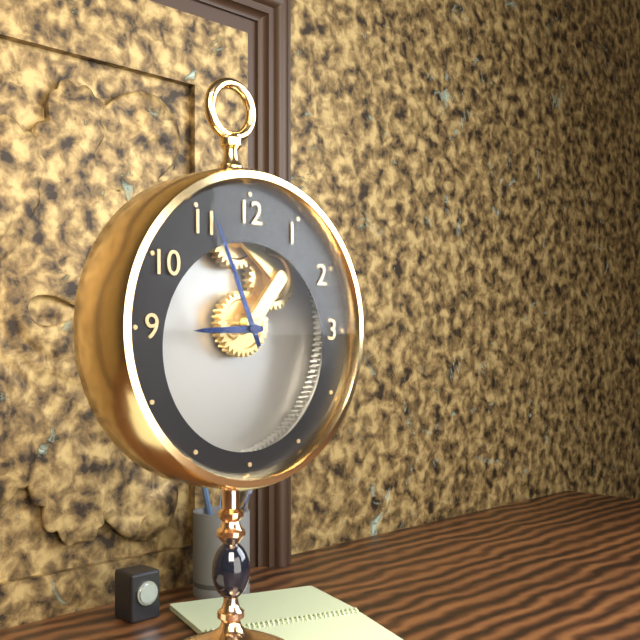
8:56
